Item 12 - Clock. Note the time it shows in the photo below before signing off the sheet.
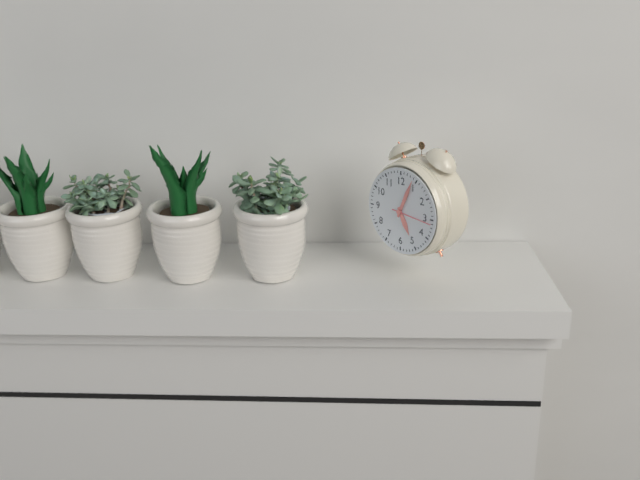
5:04
